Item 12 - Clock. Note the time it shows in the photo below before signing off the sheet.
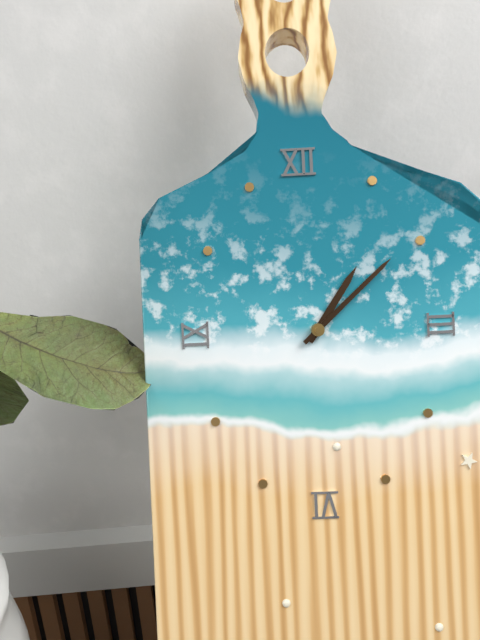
1:08
